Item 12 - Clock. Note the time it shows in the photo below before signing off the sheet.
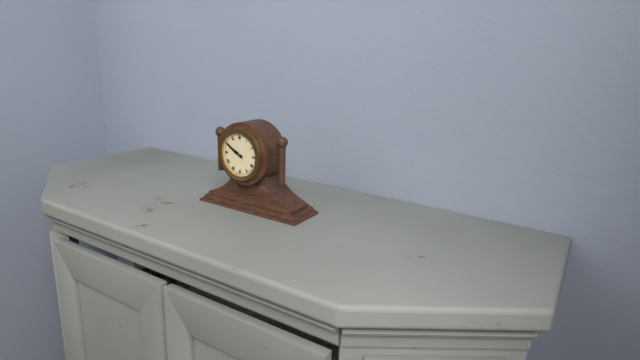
9:50
